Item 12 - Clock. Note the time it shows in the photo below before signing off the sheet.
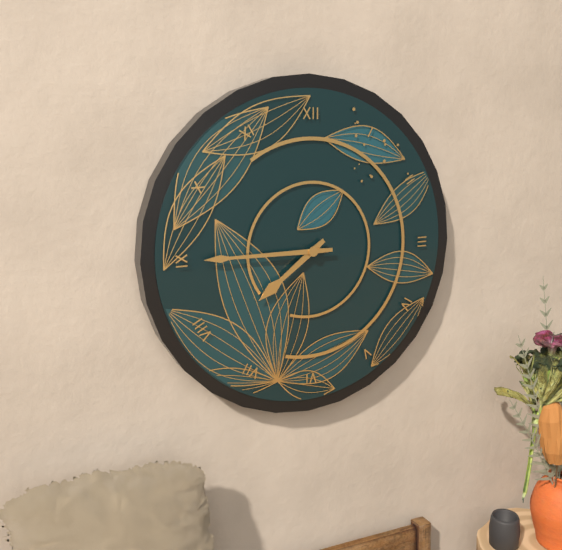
7:45
